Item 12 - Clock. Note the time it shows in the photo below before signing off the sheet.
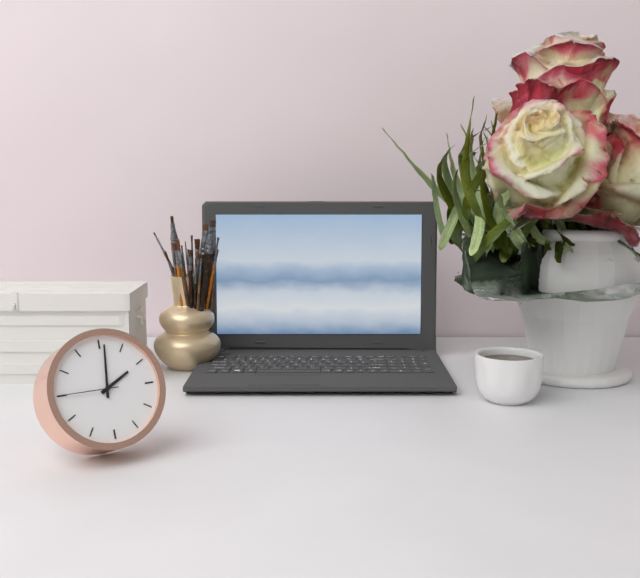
2:01:45
